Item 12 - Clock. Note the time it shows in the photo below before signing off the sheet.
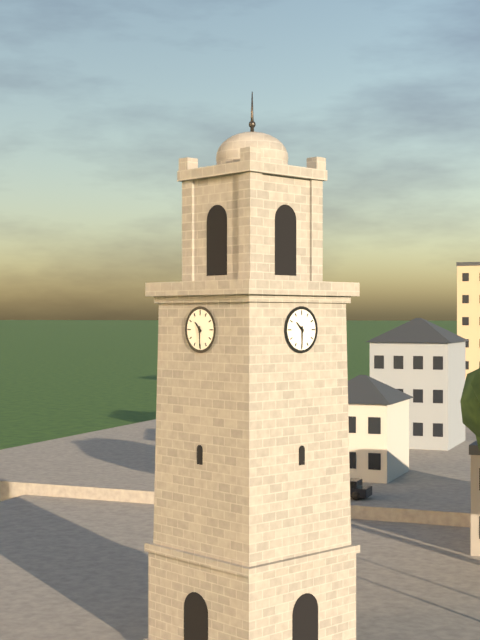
10:30
